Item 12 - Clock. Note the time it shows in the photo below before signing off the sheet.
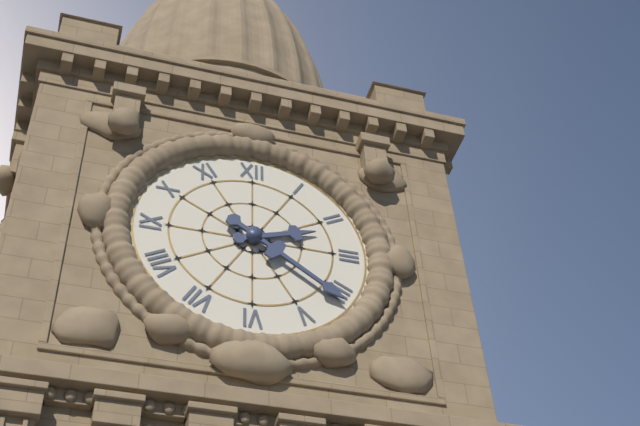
2:21
